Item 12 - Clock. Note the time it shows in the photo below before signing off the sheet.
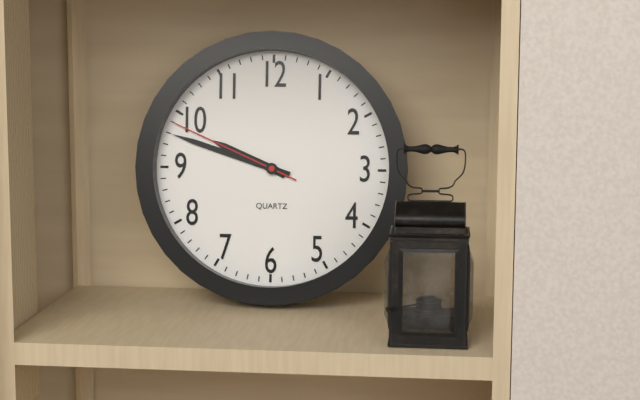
9:48:49
